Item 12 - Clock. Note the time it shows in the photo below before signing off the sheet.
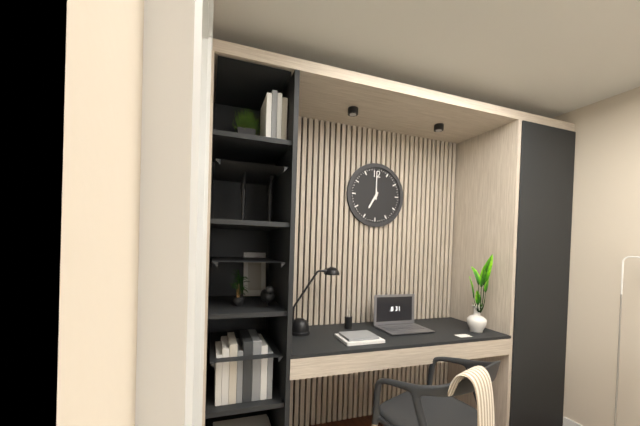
7:00
